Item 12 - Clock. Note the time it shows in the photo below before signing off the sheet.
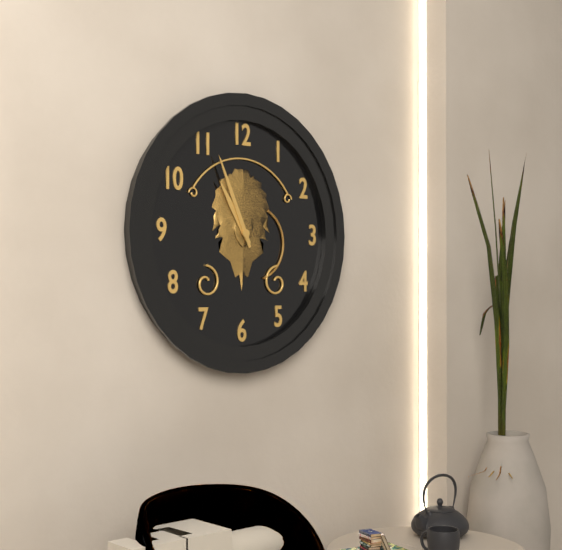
10:56
